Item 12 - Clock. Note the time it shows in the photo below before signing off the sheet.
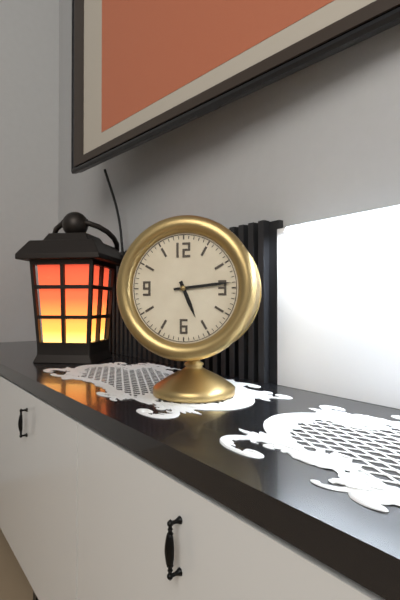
5:14
